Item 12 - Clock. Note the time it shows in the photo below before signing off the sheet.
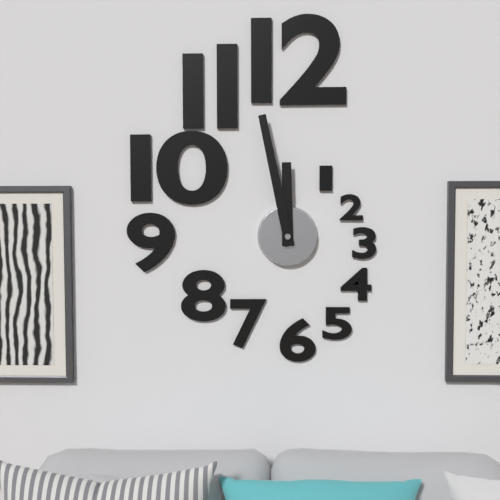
11:58
